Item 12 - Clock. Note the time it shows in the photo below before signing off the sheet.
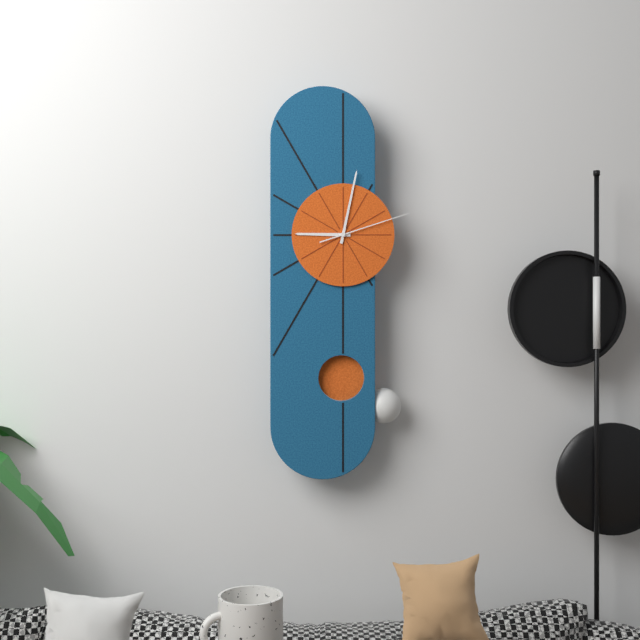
9:02:12
